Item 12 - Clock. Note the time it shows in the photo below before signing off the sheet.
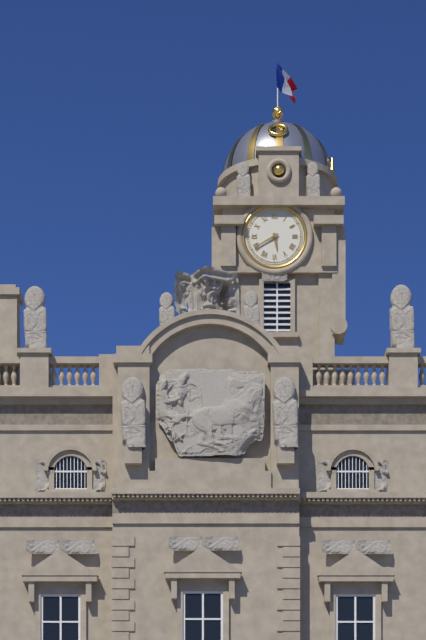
5:40
